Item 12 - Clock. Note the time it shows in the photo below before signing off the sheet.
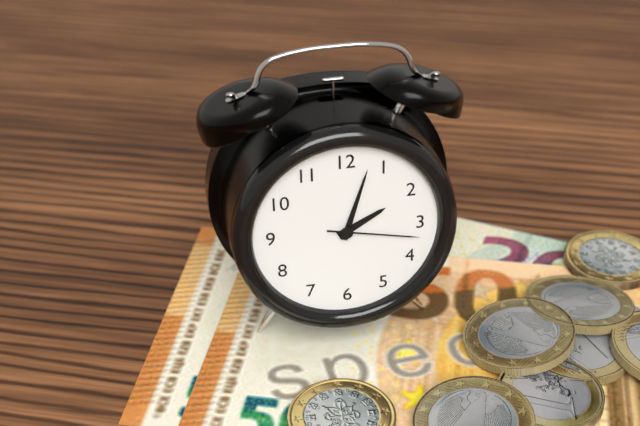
2:03:17
